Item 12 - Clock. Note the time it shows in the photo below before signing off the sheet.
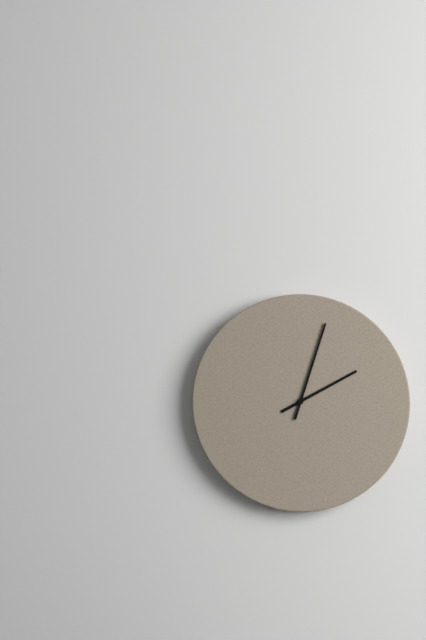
2:03
